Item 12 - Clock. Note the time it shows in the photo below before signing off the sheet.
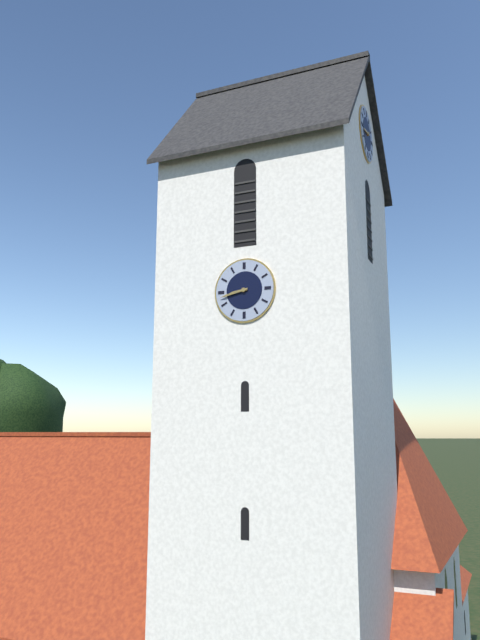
8:43
